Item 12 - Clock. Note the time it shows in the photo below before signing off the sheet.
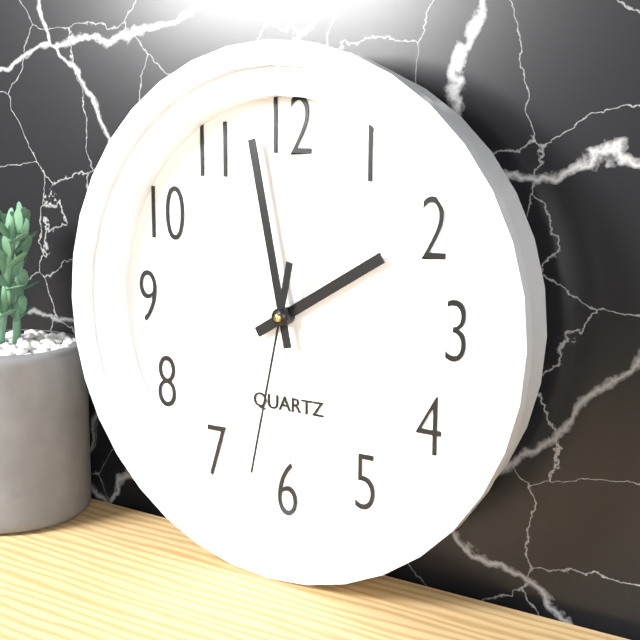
1:58:32
